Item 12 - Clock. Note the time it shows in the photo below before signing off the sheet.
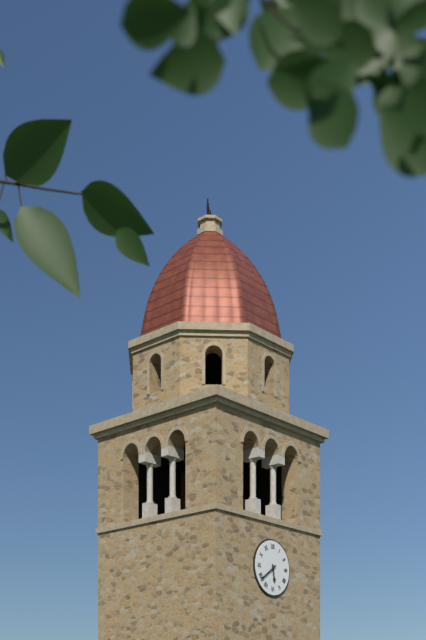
5:39
